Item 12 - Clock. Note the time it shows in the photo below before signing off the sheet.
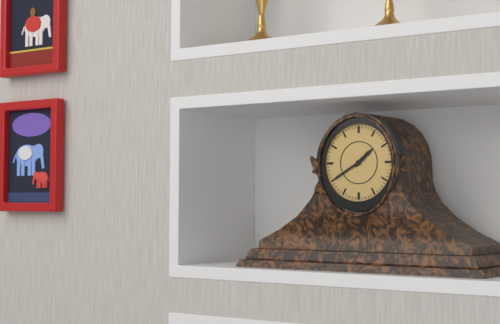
1:40
